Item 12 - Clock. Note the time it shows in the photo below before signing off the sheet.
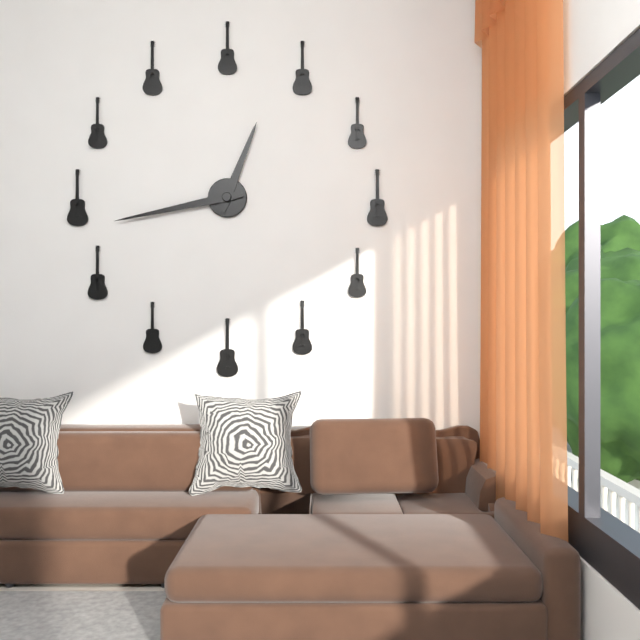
12:43
